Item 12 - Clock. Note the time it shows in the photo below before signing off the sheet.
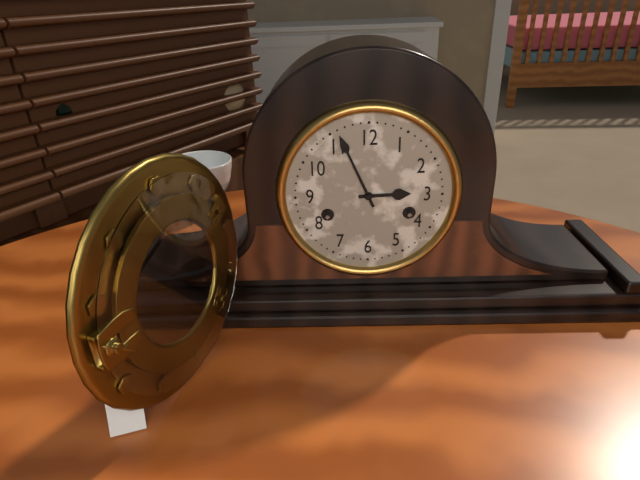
2:56
